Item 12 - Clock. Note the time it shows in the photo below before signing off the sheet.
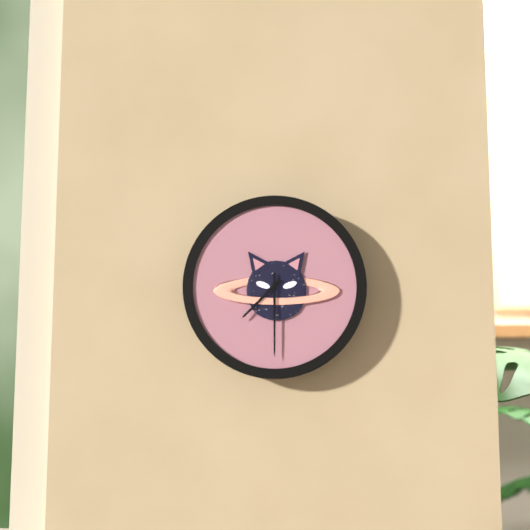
7:30
